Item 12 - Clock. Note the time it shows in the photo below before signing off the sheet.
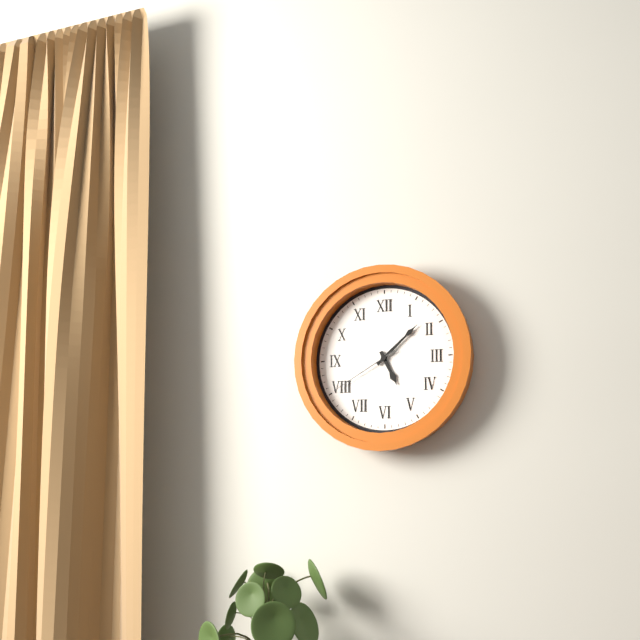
5:08:40
